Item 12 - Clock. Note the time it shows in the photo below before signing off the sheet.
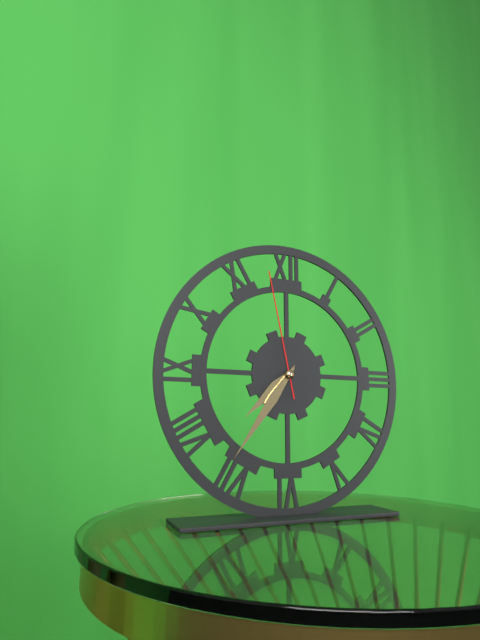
7:36:58
